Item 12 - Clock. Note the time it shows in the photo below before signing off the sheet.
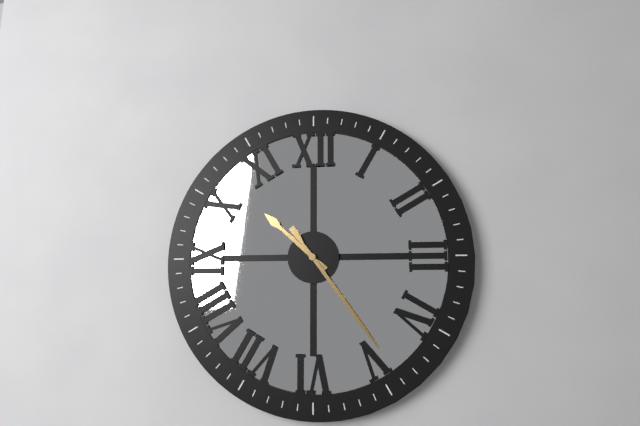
10:24
